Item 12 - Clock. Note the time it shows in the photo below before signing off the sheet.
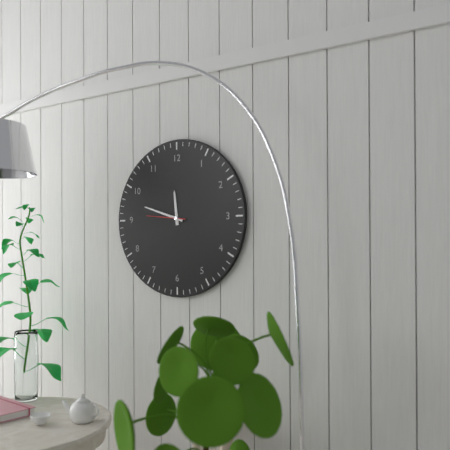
11:48
